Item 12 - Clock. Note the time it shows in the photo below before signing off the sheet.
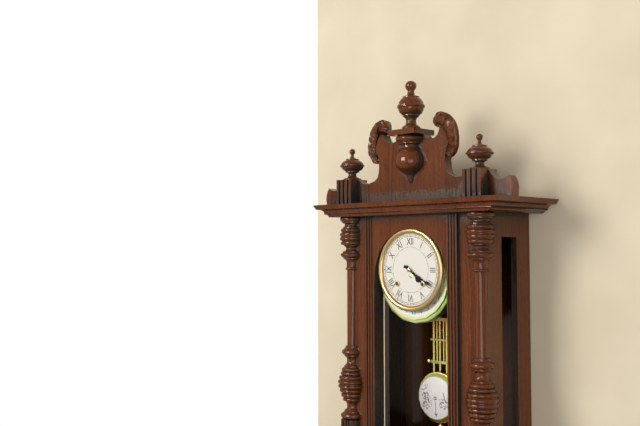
4:20
